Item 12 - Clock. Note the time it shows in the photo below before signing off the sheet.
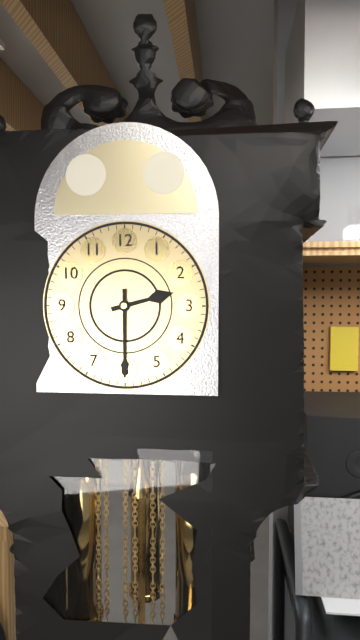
2:30
